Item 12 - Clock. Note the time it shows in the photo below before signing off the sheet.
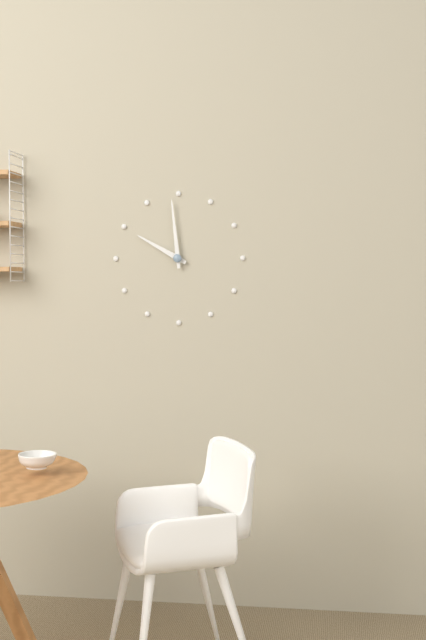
9:59
